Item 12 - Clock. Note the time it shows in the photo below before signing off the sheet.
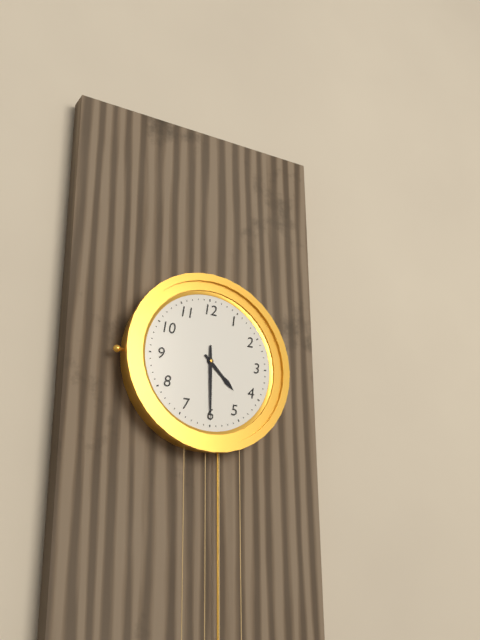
4:30
